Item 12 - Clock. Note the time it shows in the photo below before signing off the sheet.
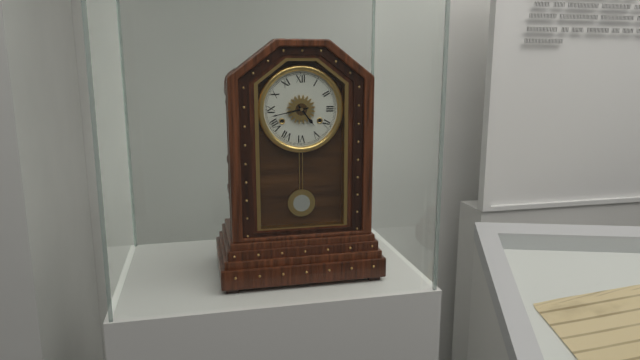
4:43
